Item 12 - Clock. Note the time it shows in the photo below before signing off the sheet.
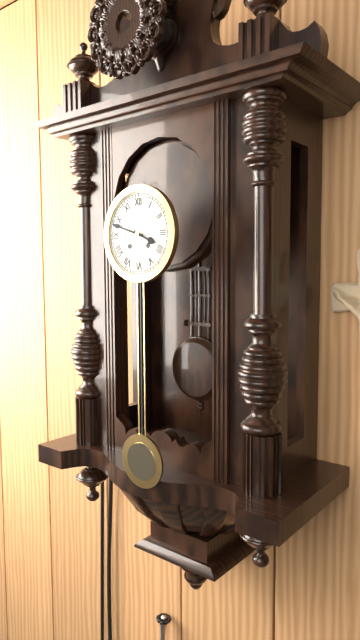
3:48
